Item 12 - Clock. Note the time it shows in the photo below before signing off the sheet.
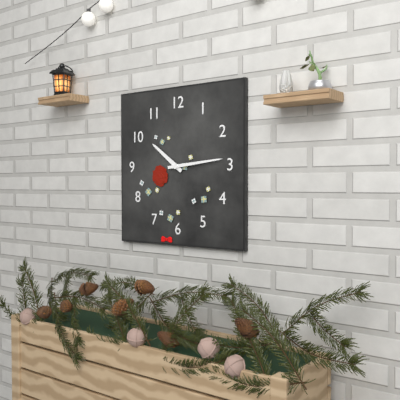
10:14
